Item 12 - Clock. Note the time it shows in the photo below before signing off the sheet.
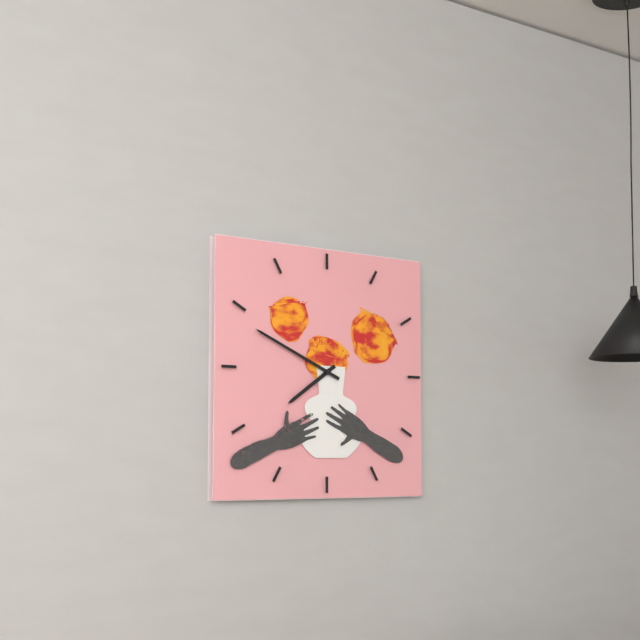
7:49
